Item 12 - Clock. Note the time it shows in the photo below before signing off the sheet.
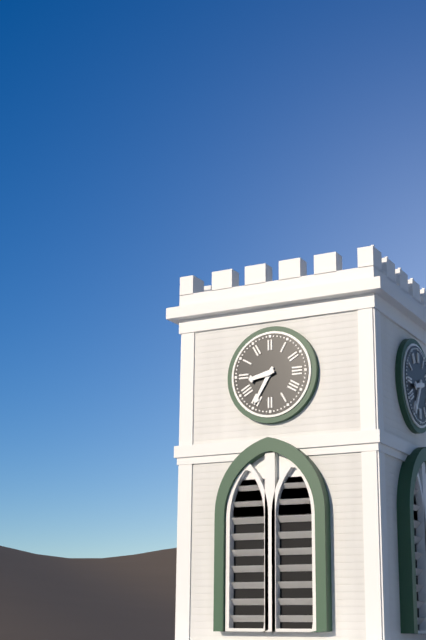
8:35
